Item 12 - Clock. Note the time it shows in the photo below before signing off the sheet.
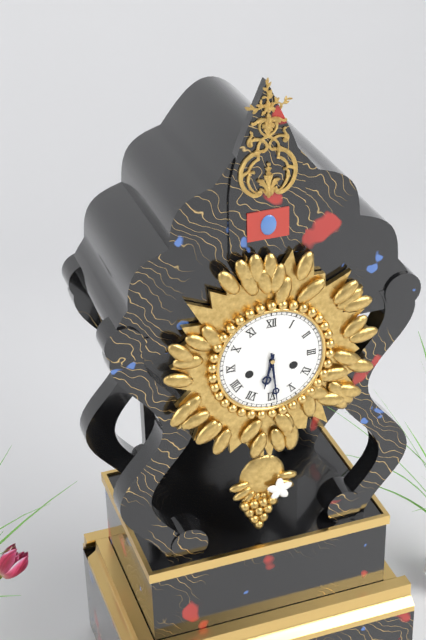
6:29
